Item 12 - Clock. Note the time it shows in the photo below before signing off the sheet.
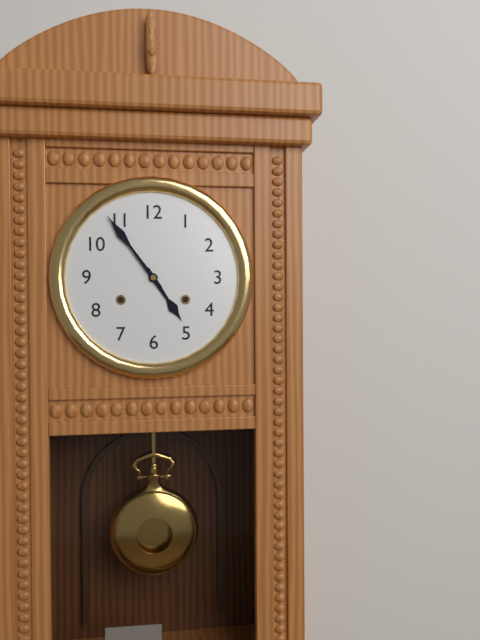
4:54
